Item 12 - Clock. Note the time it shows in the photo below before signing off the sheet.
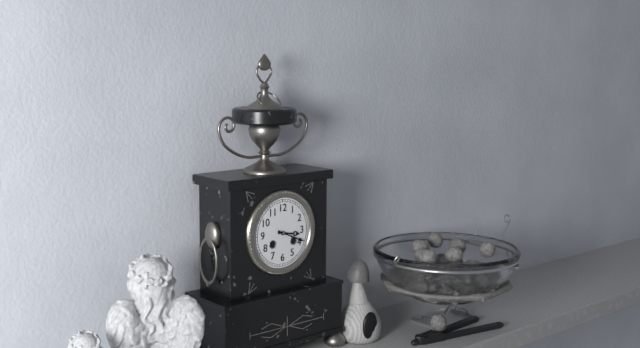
3:19
